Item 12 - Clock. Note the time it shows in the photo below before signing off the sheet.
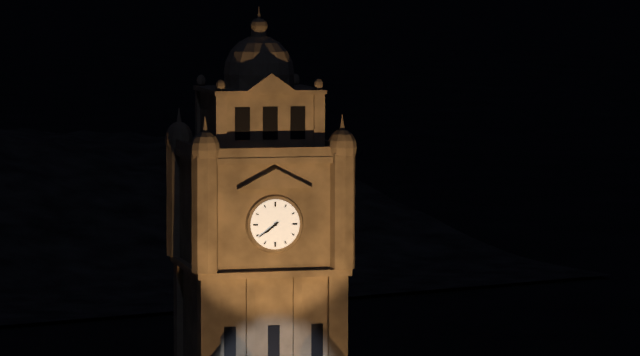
7:39
